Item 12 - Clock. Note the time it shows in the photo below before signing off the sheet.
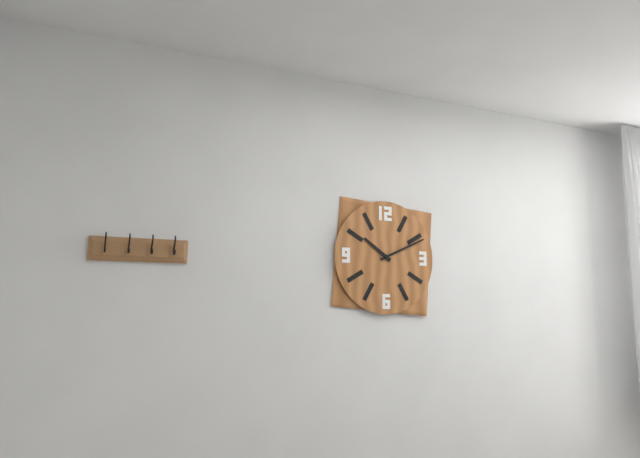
10:11
